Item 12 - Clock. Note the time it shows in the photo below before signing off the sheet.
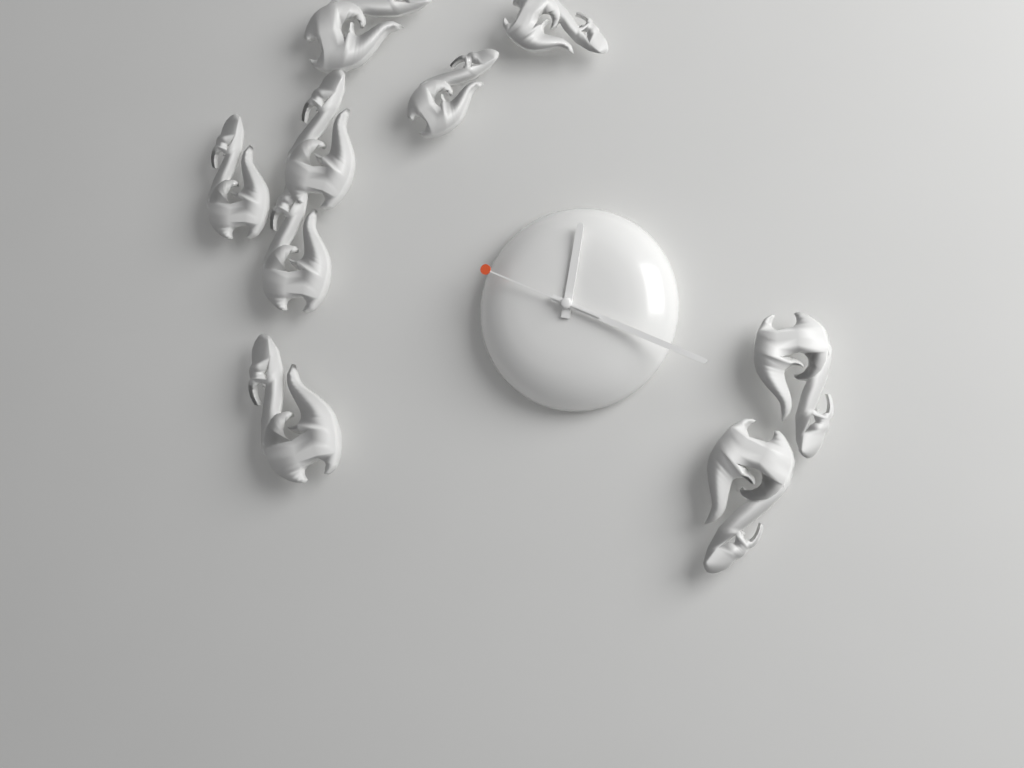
12:19:49
